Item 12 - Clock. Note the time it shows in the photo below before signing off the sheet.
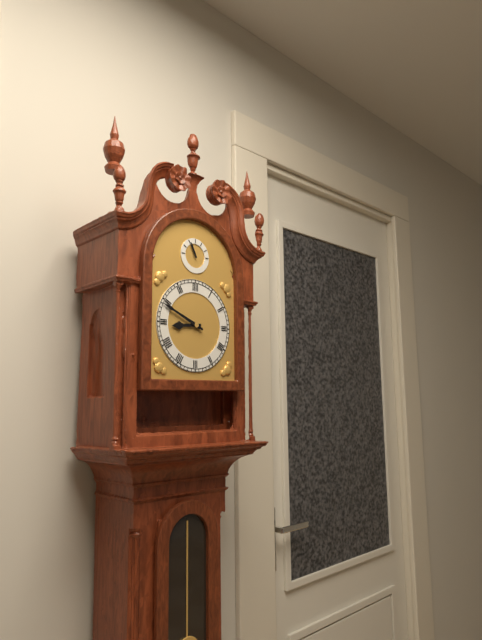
8:49
